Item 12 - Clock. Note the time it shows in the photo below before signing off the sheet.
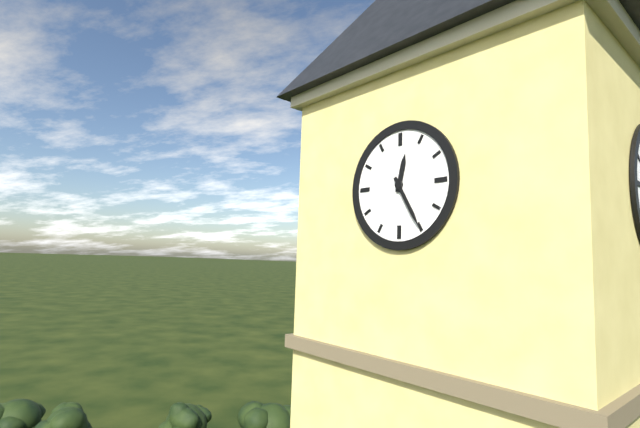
12:25
